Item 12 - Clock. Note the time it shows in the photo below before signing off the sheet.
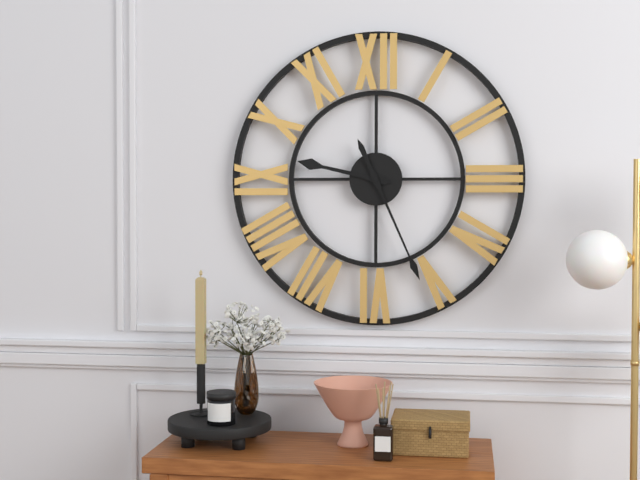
9:26
